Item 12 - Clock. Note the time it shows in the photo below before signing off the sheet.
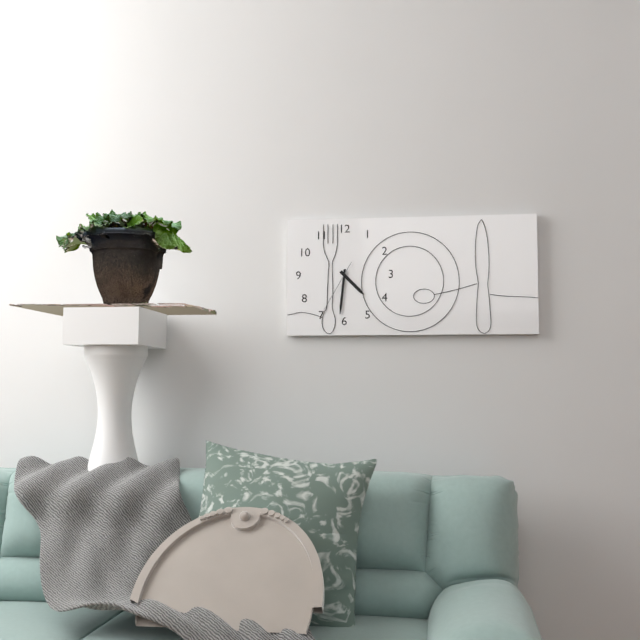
4:31:35
